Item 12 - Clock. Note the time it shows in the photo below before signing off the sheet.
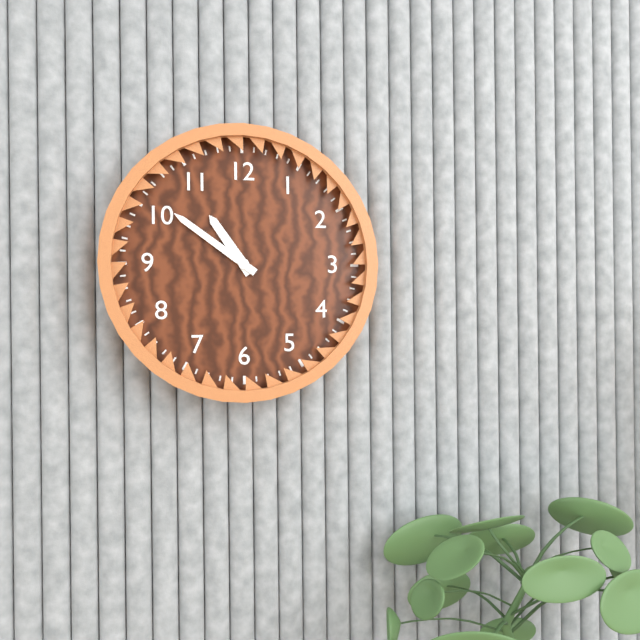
10:51
